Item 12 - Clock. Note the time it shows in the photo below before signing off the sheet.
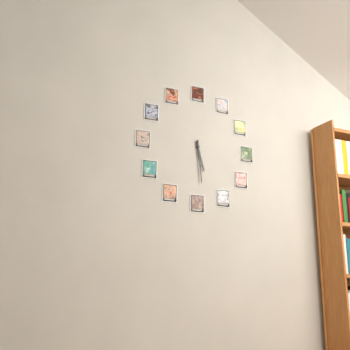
5:29
